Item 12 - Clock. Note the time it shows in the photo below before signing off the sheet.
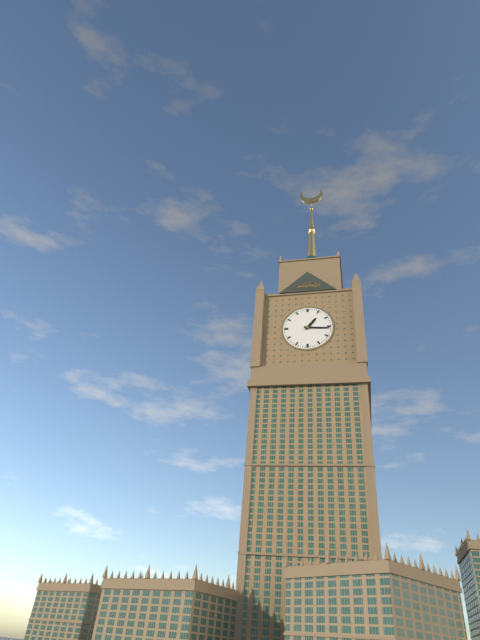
1:16
